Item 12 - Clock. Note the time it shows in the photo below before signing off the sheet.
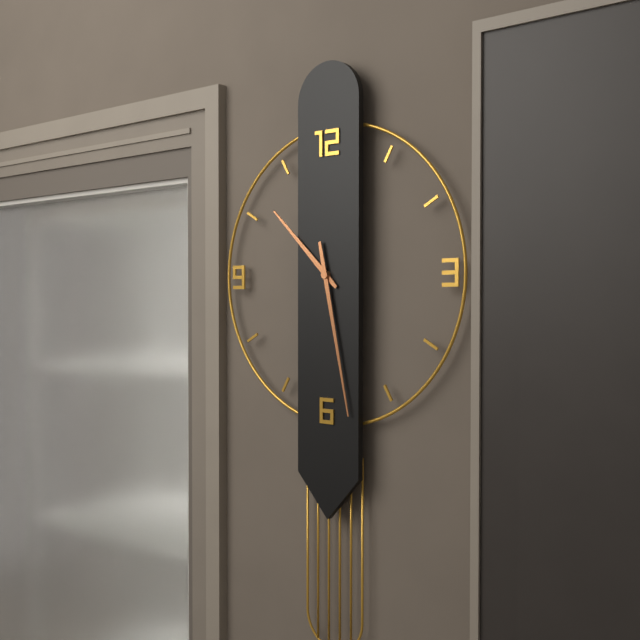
10:28
